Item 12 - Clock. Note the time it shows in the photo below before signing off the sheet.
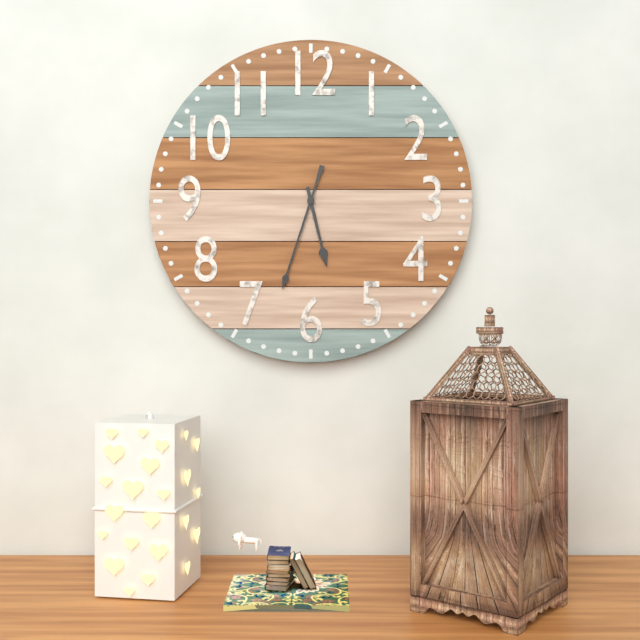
5:33
